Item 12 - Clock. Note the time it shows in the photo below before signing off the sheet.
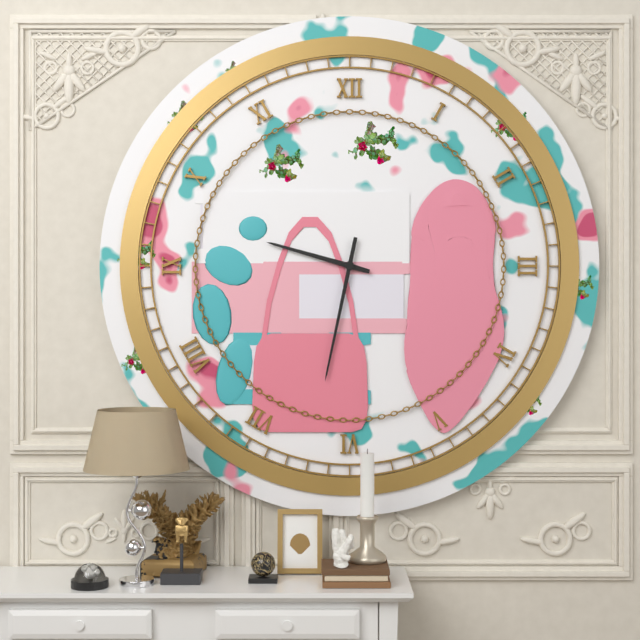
9:32
